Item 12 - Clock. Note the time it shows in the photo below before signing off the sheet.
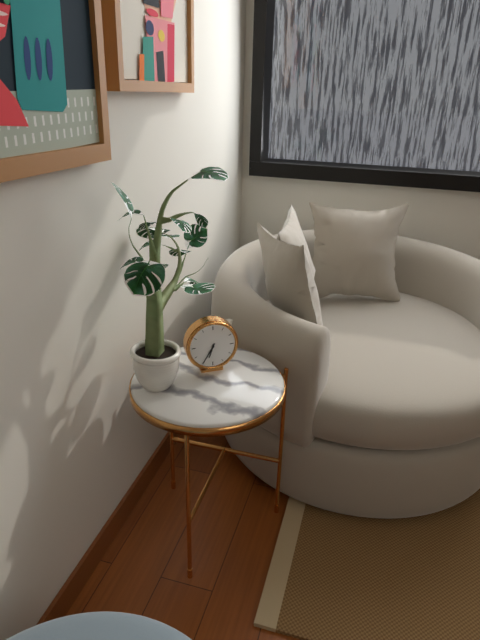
6:35
